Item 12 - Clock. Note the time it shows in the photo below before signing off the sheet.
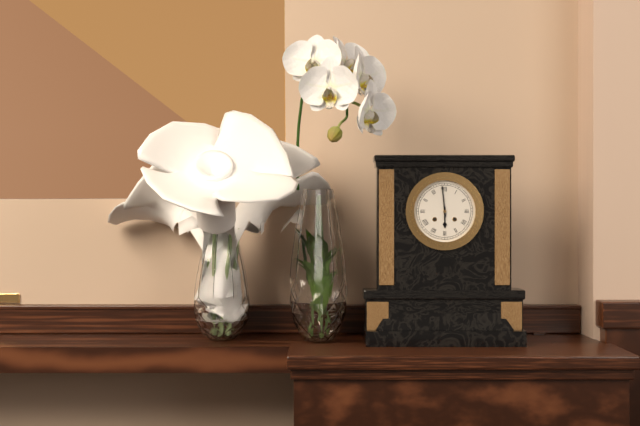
5:59
